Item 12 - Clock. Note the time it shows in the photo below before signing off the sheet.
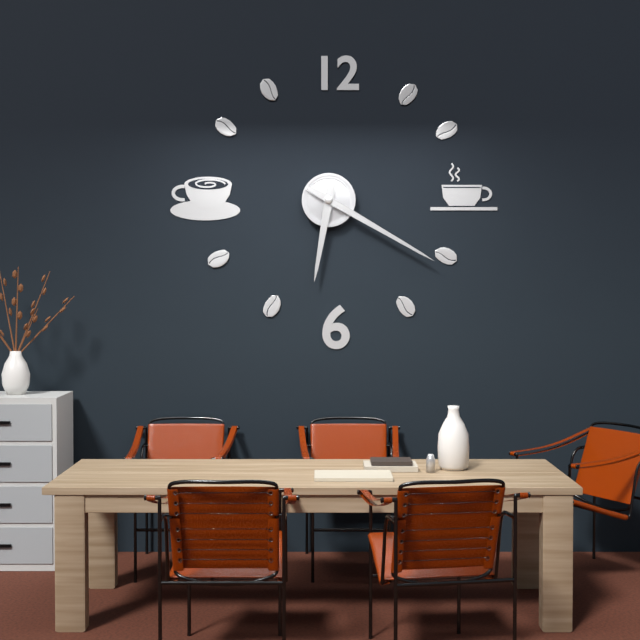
6:20
